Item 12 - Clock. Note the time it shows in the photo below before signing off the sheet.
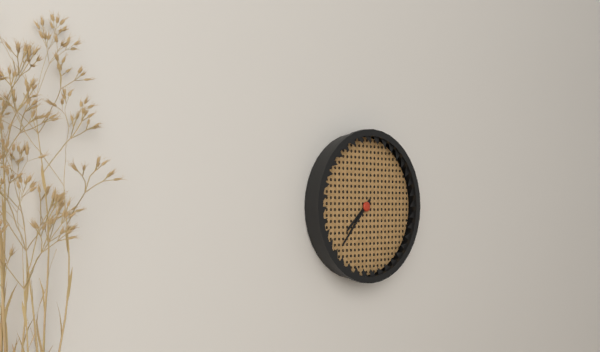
7:37
